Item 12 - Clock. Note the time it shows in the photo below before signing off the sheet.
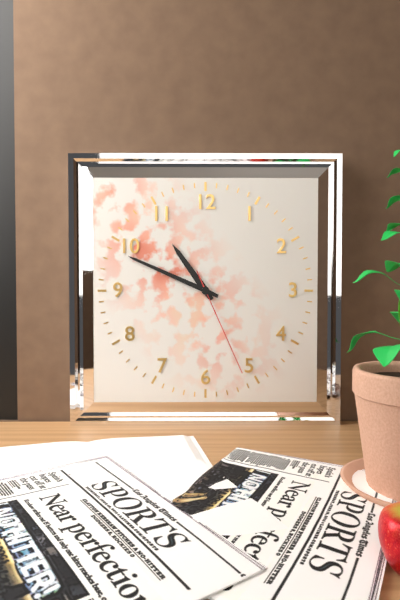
10:49:26
